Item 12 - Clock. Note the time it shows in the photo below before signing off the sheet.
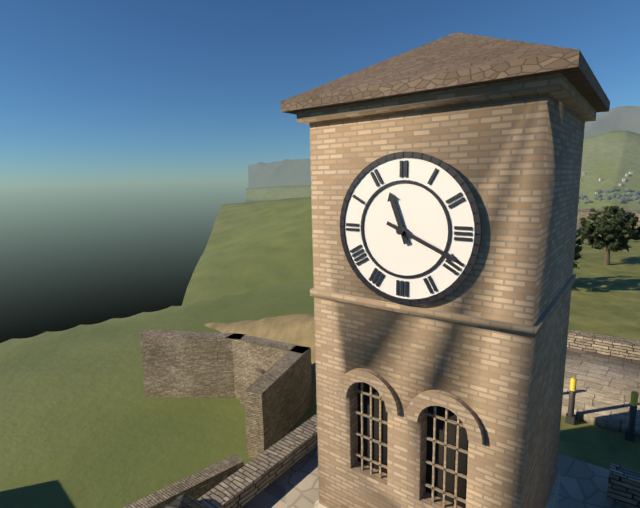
11:19
